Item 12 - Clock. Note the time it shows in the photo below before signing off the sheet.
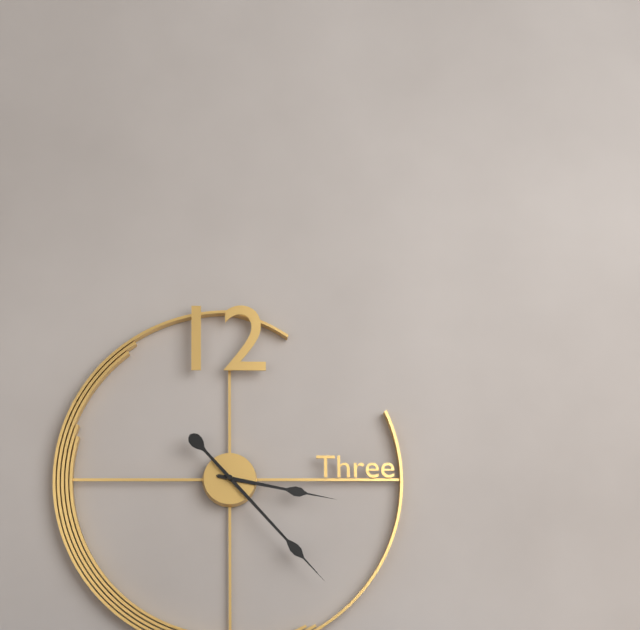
3:23
